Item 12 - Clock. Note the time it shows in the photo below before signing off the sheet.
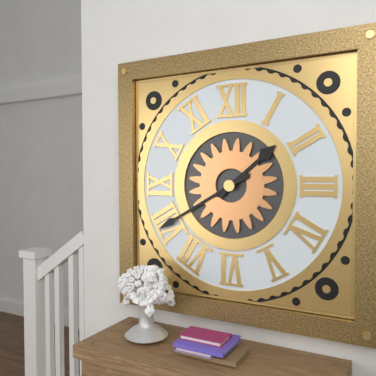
1:40
